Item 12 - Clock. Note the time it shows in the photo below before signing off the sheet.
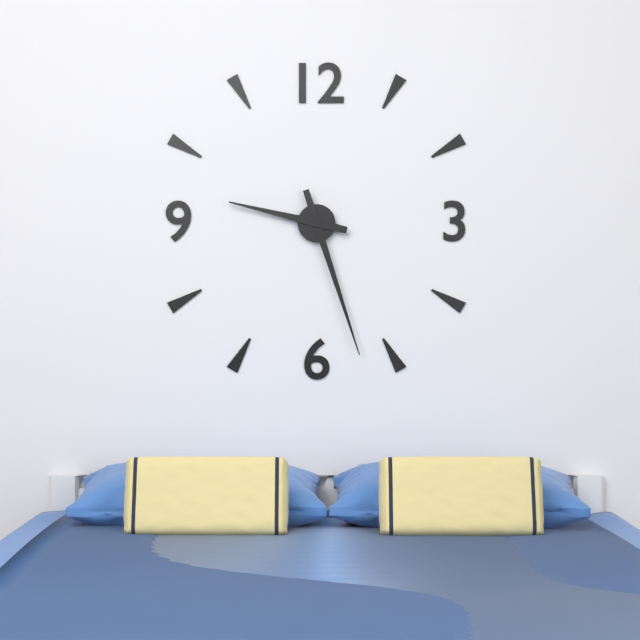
9:27
